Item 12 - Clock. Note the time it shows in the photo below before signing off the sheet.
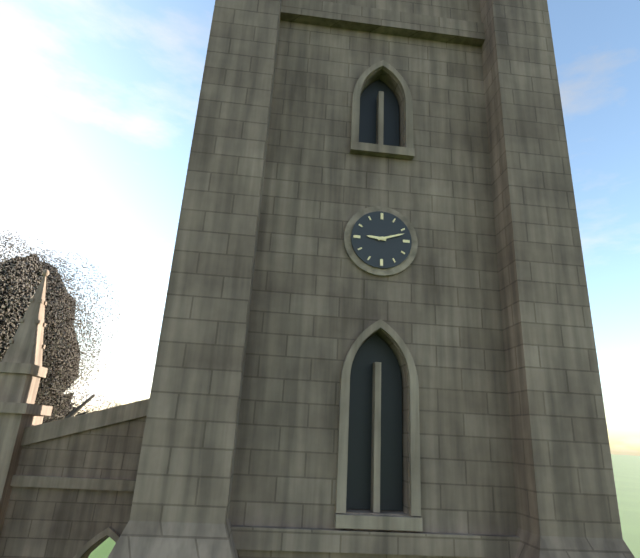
9:12
